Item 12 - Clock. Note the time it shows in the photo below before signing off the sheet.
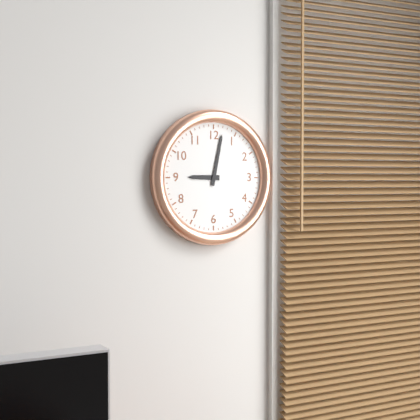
9:02
